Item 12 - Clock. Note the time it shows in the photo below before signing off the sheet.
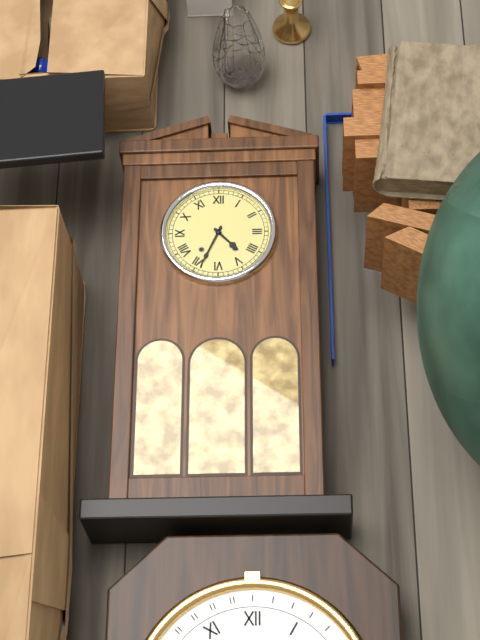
4:34
